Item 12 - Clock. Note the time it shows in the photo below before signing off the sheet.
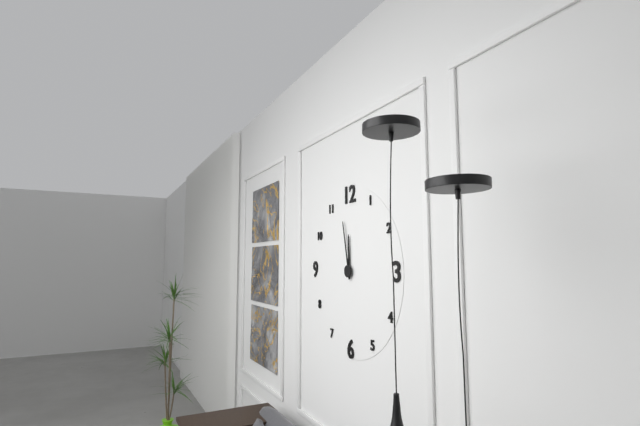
11:58
